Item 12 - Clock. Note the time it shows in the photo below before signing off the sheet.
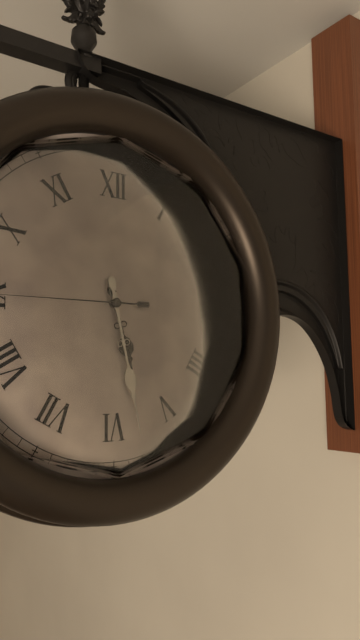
5:28
